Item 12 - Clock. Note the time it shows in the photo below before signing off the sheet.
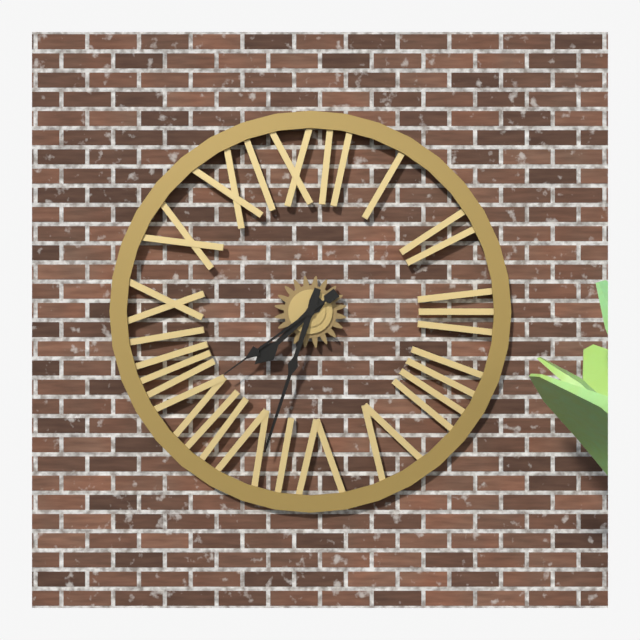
7:33:39
